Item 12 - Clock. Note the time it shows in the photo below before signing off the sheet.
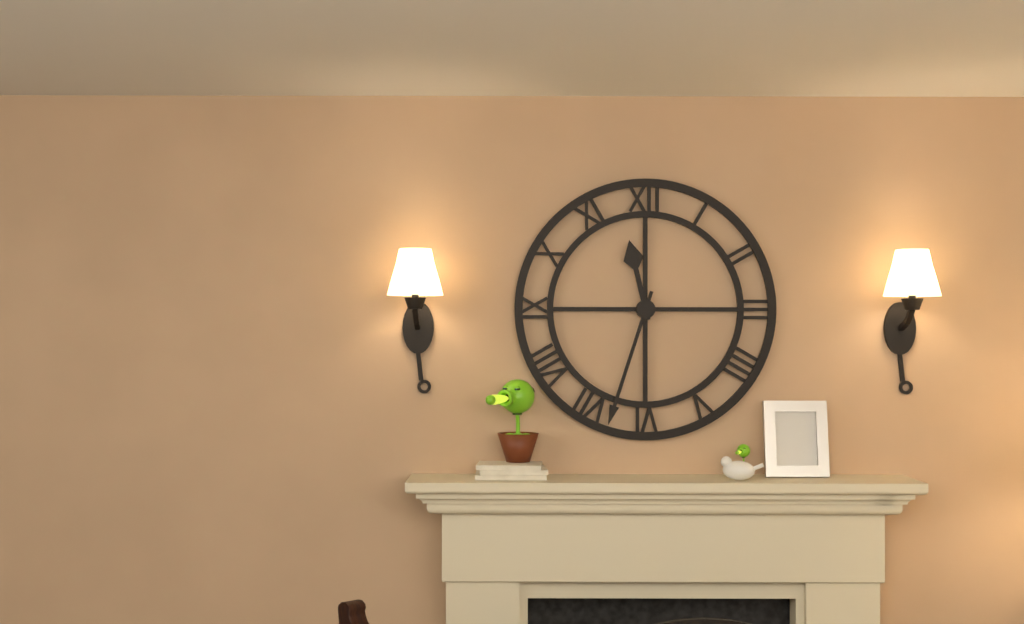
11:33
